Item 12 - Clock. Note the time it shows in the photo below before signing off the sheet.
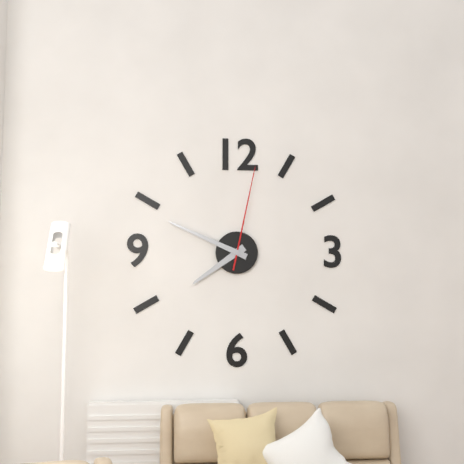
7:49:02
